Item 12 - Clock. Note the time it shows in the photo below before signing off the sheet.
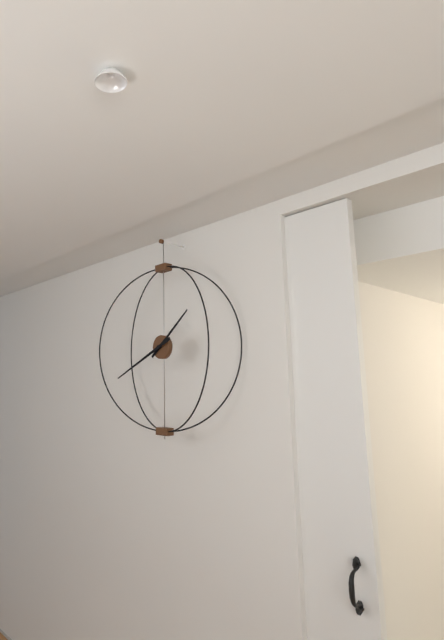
1:41
